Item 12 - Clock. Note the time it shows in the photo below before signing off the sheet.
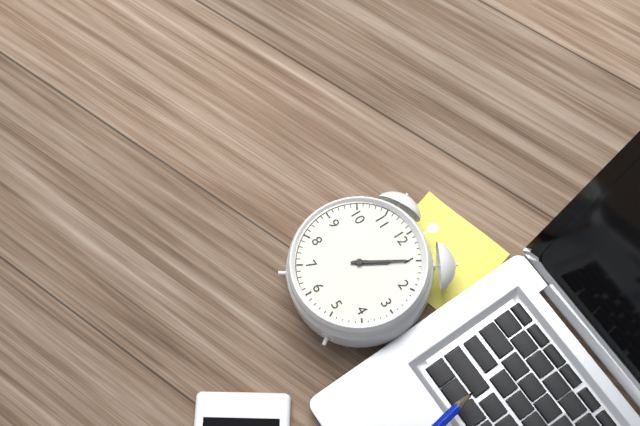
1:05
